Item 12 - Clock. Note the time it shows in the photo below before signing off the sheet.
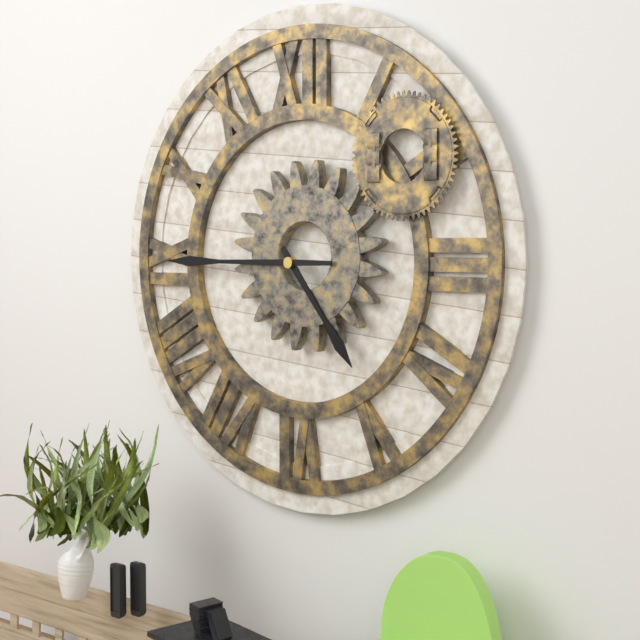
4:45
